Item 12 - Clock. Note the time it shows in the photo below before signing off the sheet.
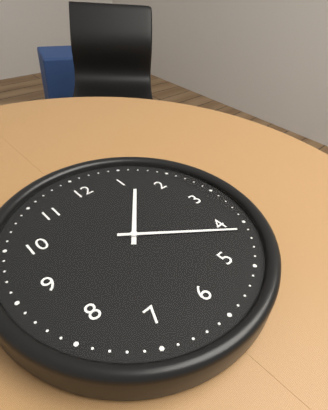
1:21
